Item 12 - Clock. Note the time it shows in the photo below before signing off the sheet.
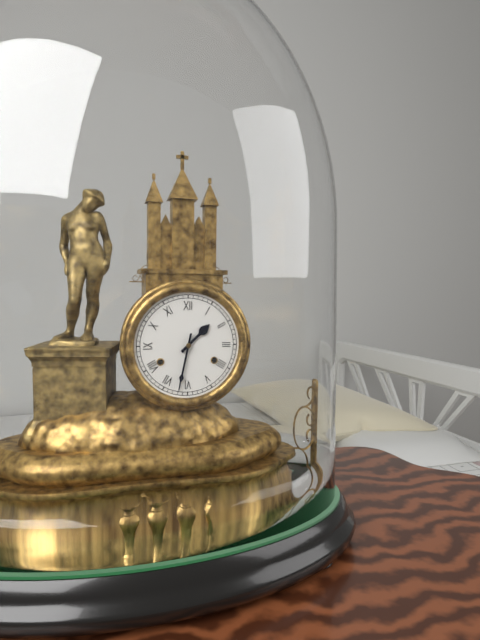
1:32
